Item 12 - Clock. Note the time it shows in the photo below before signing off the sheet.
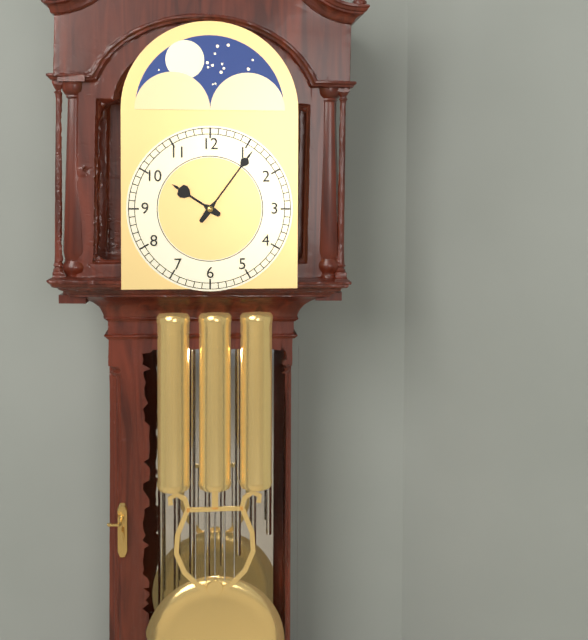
10:06
